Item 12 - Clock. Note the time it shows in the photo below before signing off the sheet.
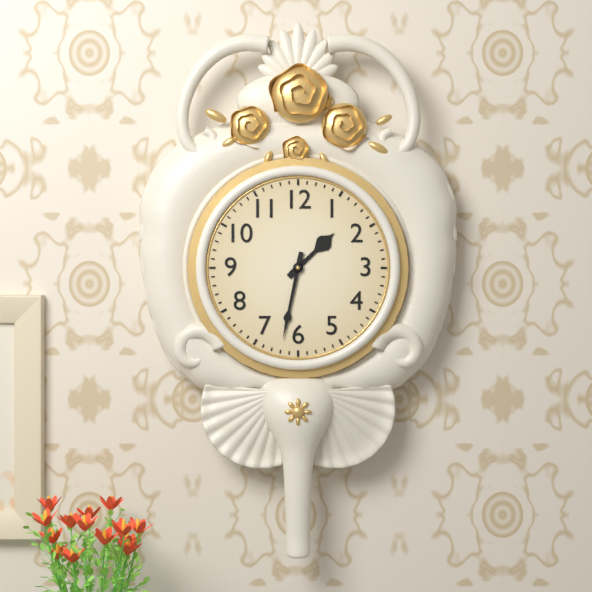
1:32
